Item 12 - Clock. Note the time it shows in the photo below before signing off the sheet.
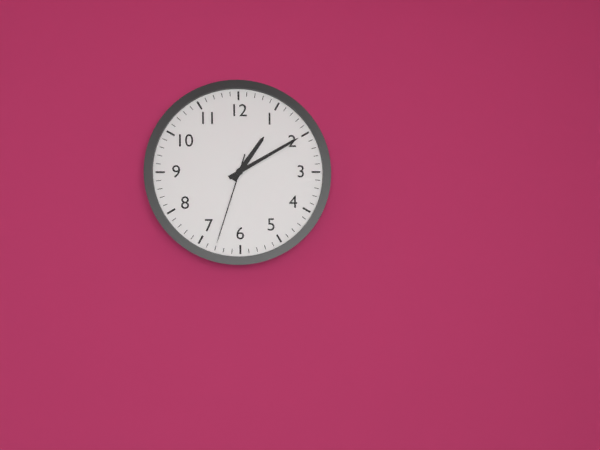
1:10:33
